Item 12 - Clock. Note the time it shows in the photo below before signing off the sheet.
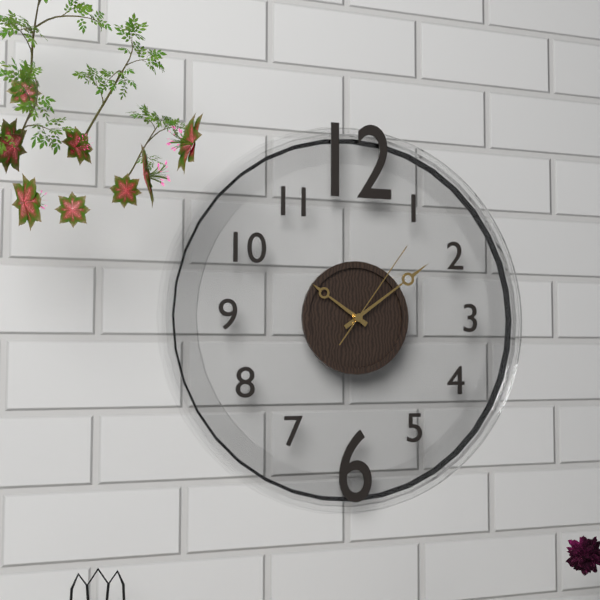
10:09:06
